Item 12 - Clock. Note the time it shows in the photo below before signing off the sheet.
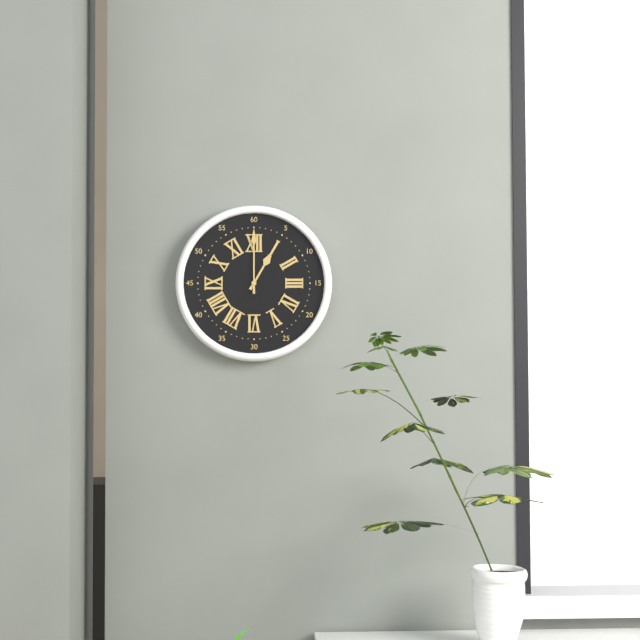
1:00
